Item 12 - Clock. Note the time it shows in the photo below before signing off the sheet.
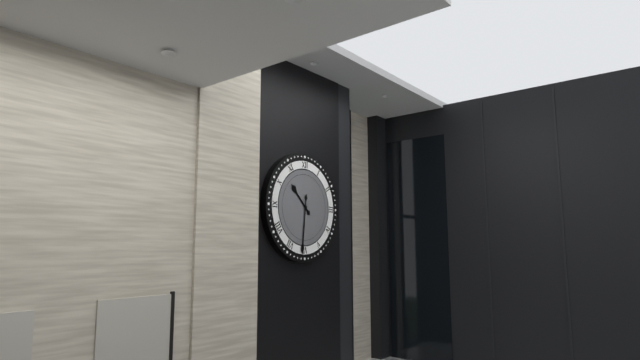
10:31
